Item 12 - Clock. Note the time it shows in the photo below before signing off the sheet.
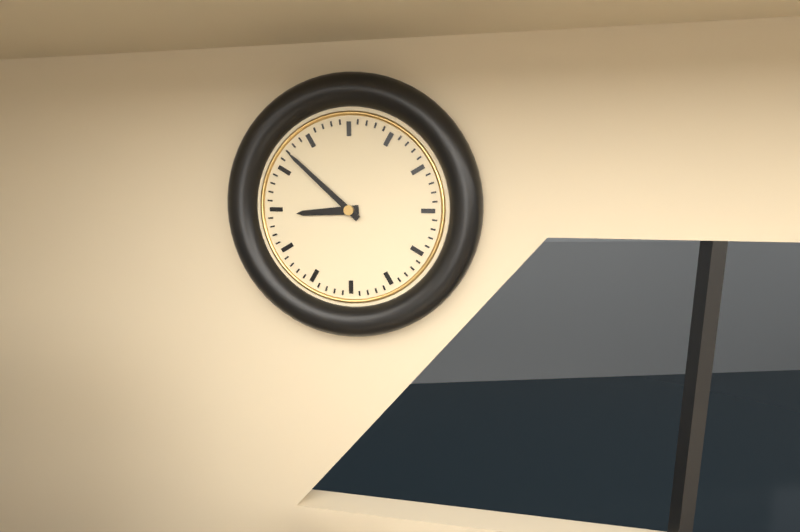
8:52
